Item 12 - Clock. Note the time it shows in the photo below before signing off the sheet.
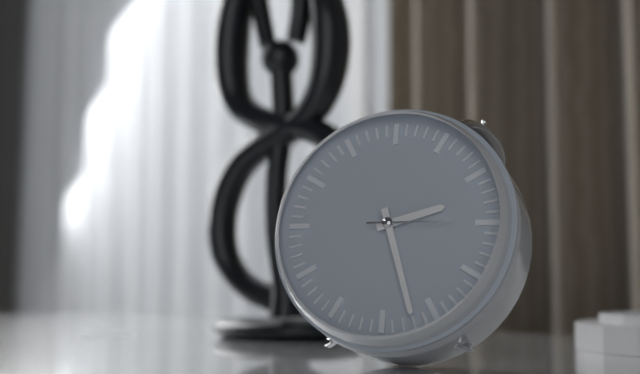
2:27:15
